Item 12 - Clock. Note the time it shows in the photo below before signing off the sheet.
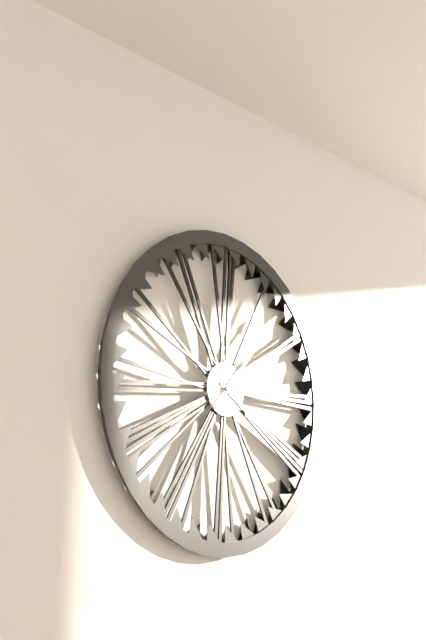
4:07
